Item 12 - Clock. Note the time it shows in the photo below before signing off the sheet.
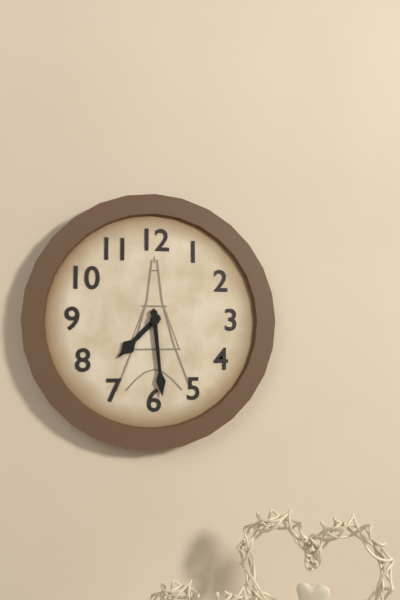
7:29
